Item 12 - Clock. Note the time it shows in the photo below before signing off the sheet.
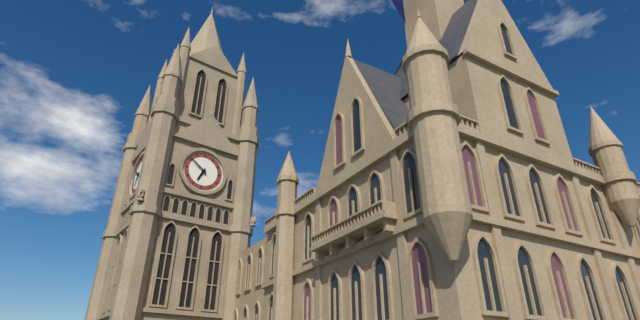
6:51
